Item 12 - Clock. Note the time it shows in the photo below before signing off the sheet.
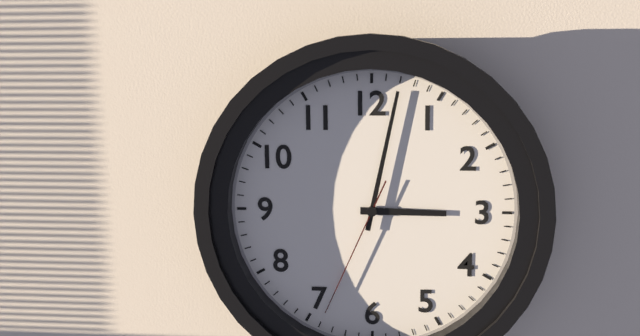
3:02:34
